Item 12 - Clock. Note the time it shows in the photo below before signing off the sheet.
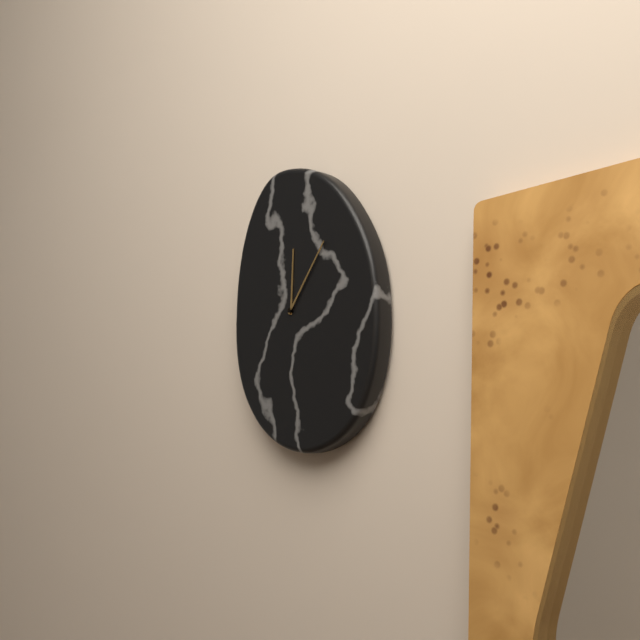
12:06
